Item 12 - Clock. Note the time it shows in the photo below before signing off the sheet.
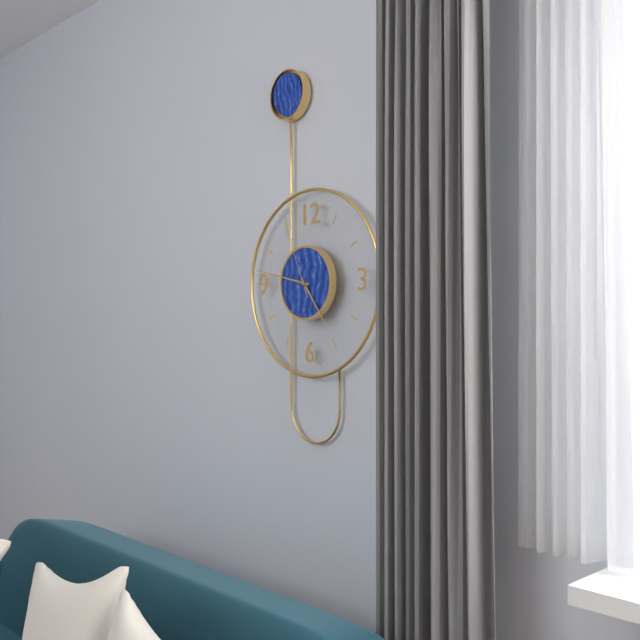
4:47:56
